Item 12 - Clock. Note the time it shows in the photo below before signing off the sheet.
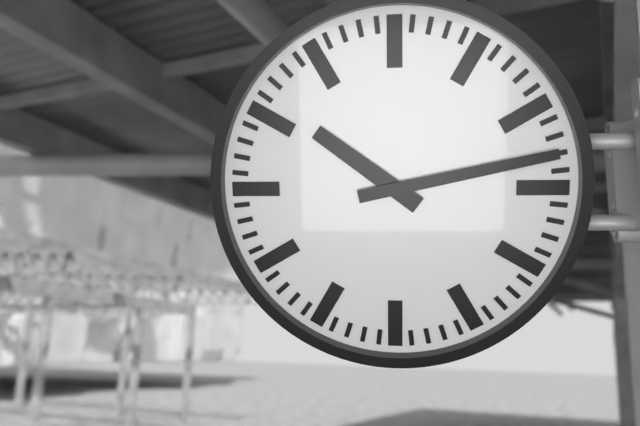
10:13
